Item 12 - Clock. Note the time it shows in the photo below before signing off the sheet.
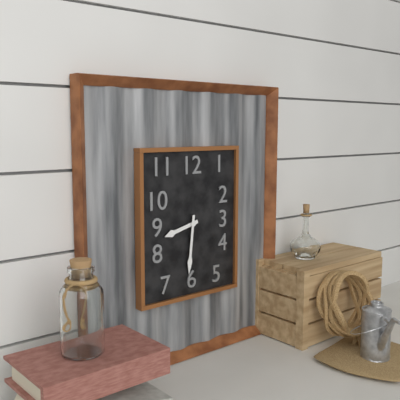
8:31
